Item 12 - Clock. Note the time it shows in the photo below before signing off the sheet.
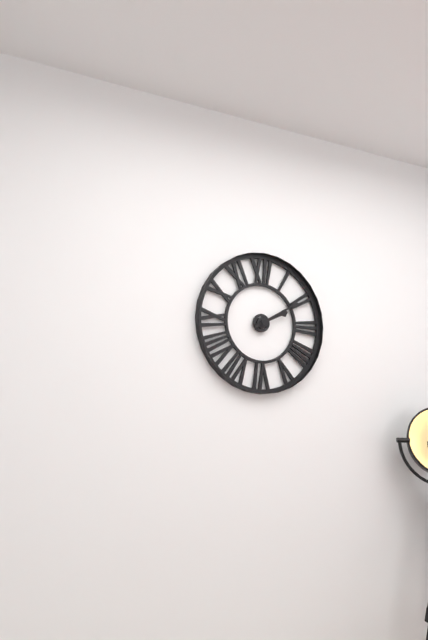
2:10
